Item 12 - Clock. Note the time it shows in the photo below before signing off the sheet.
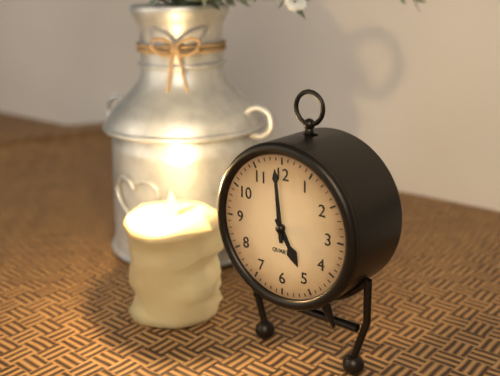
4:59
